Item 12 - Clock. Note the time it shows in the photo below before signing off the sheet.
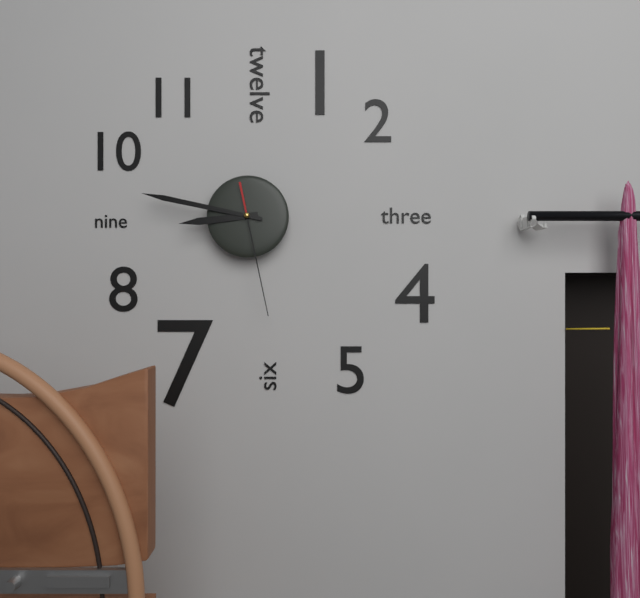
8:47:28
